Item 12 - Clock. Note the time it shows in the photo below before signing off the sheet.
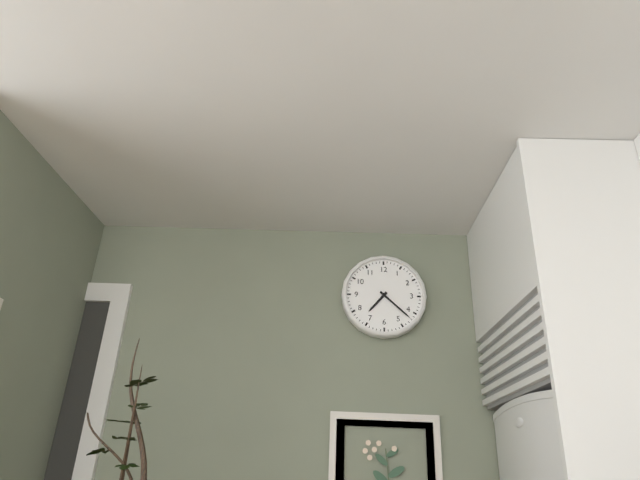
7:22
